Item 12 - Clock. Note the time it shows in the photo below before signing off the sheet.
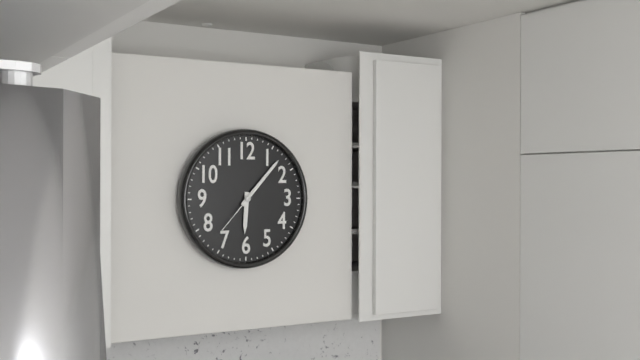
6:07
